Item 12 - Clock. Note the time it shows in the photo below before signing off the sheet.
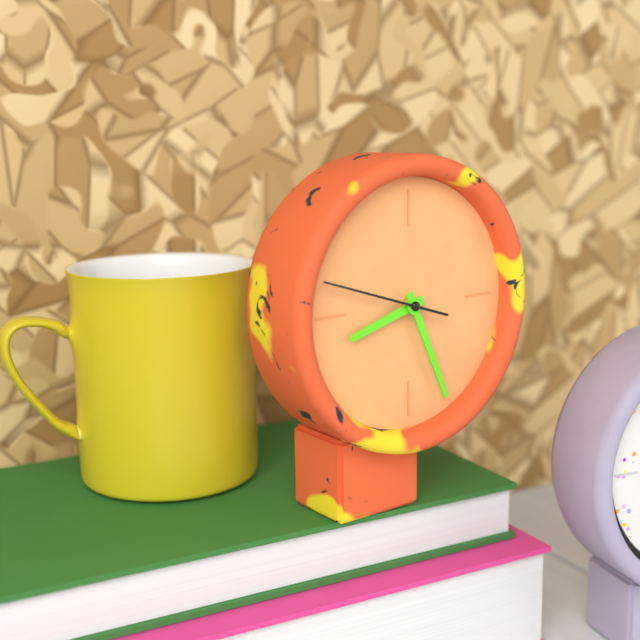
8:26:48
